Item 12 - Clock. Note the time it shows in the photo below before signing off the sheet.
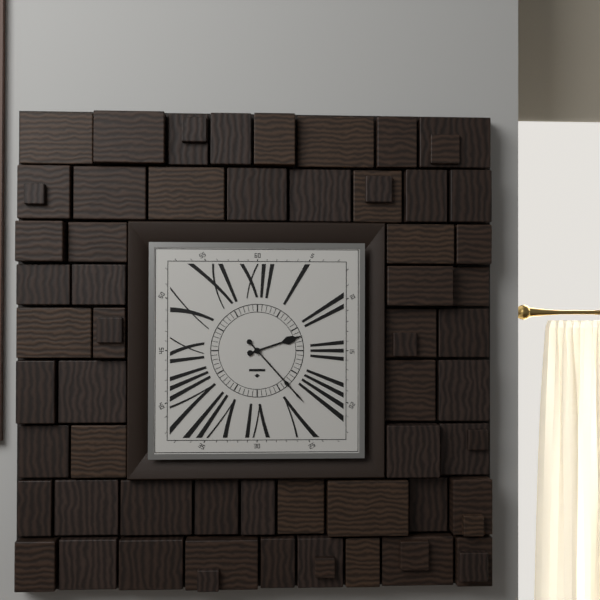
2:23
